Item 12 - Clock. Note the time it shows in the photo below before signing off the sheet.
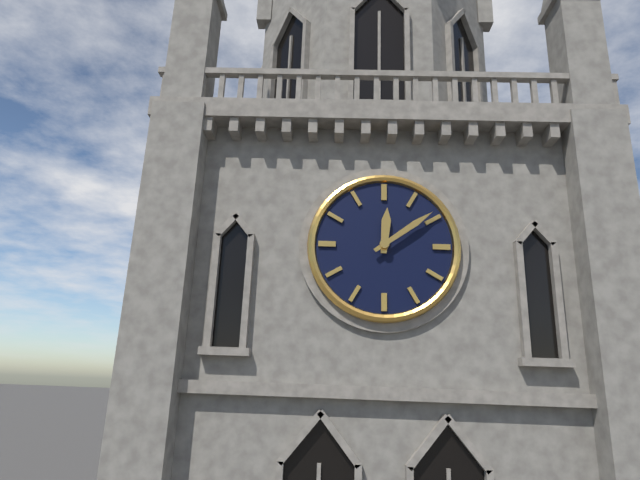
12:09
